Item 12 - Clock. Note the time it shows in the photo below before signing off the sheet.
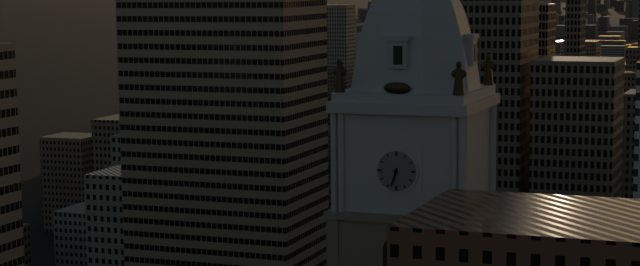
6:33
